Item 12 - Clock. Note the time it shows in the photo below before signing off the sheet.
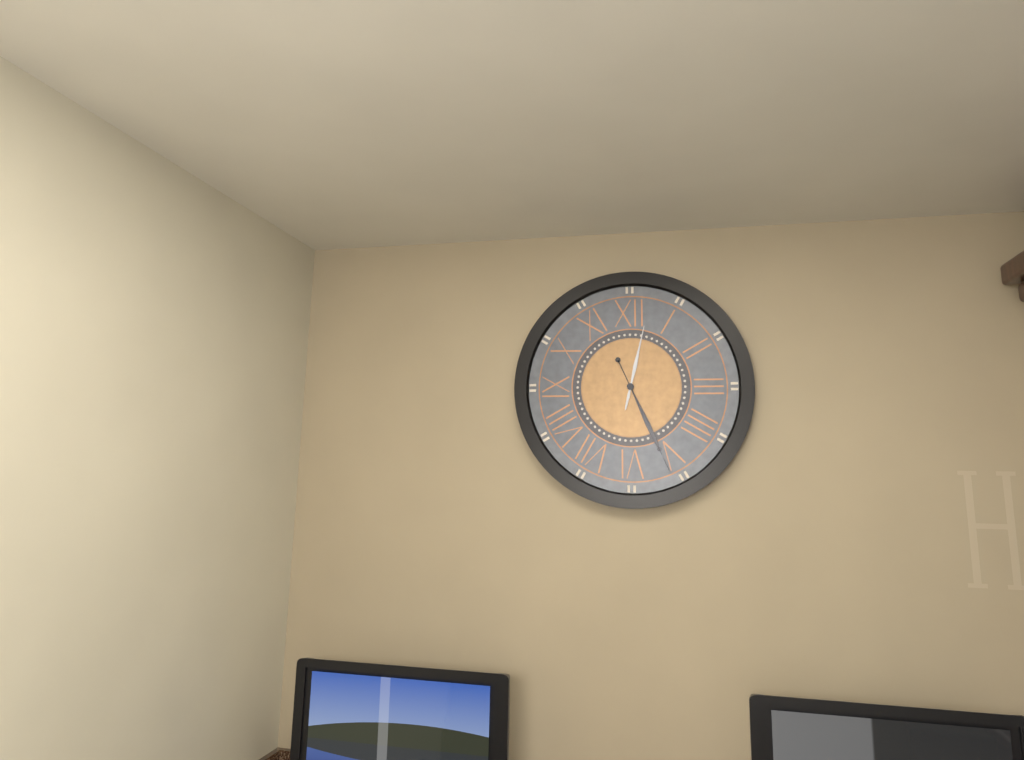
12:26
